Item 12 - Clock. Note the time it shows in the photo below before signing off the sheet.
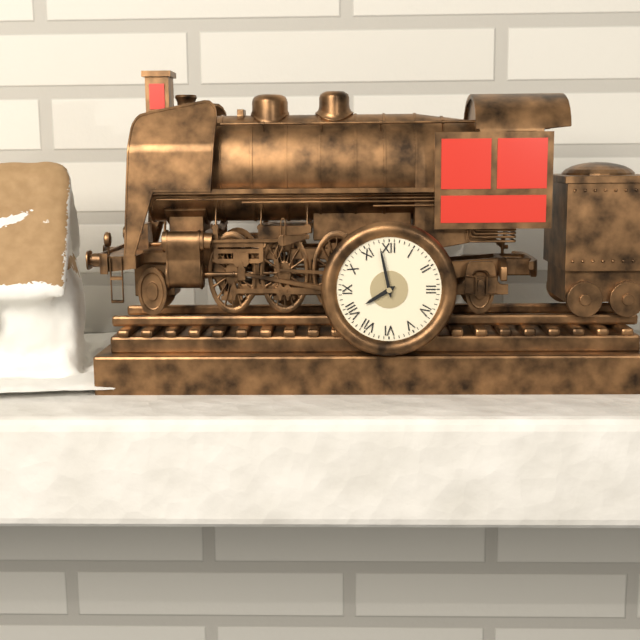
7:58
